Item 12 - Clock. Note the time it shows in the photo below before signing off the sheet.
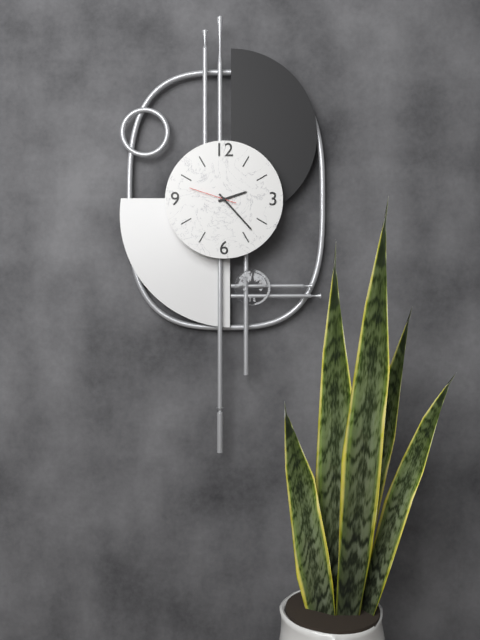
2:23
